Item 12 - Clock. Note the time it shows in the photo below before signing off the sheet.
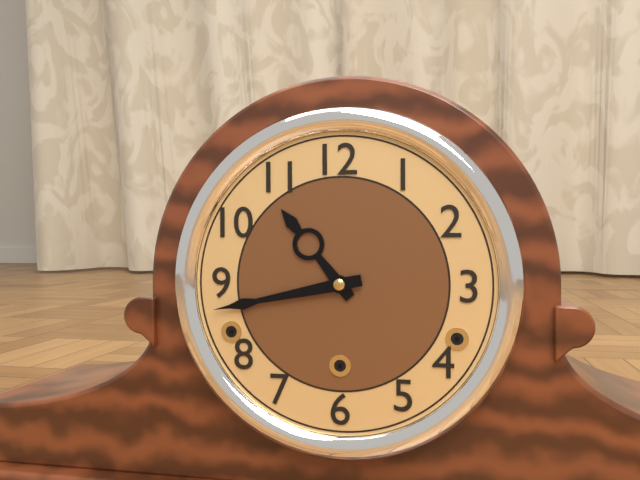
10:43
